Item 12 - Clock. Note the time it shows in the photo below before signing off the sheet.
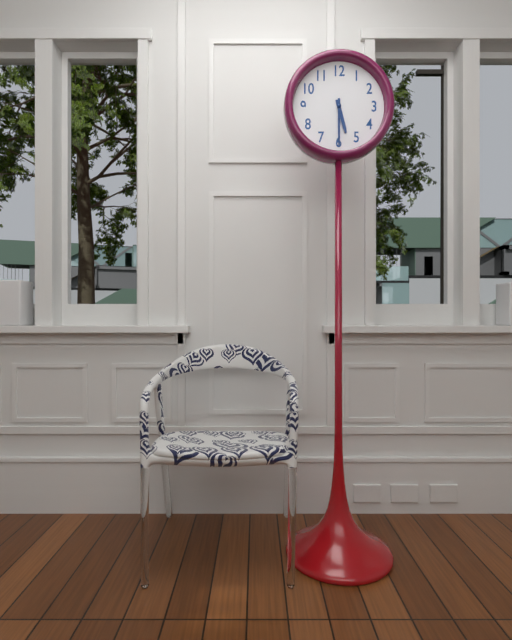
5:30
